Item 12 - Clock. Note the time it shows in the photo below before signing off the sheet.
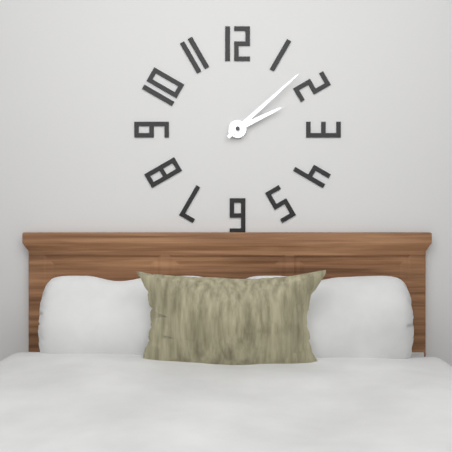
2:08
